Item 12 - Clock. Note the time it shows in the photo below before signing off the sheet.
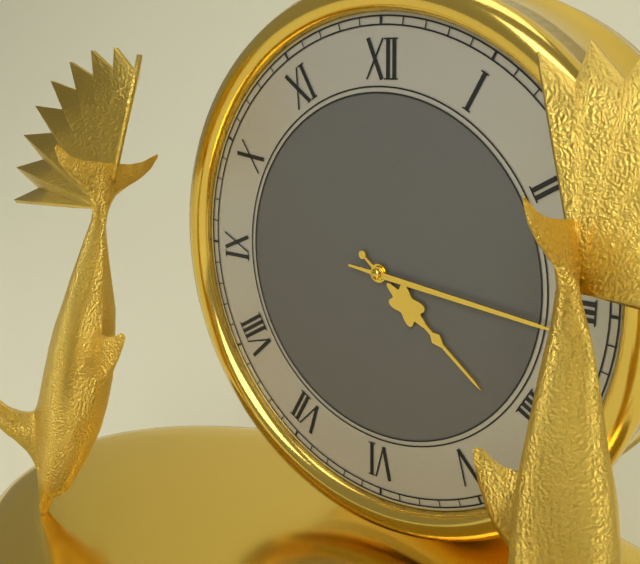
4:16
